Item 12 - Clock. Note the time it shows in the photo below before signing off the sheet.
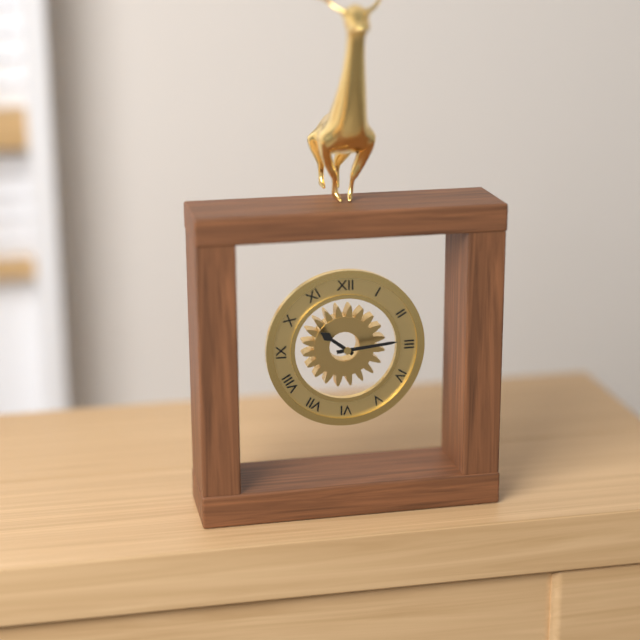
10:14
